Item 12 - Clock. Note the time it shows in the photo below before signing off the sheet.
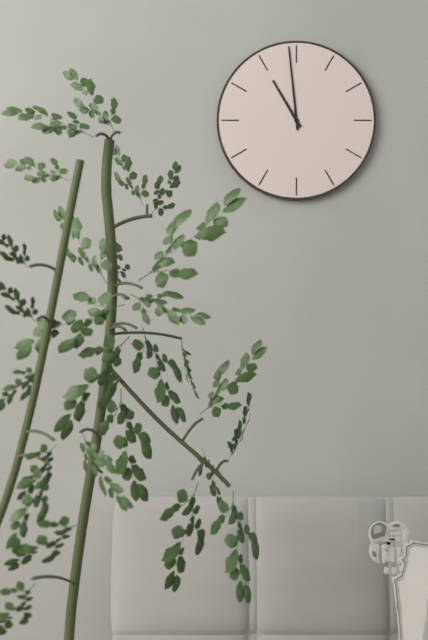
10:59
